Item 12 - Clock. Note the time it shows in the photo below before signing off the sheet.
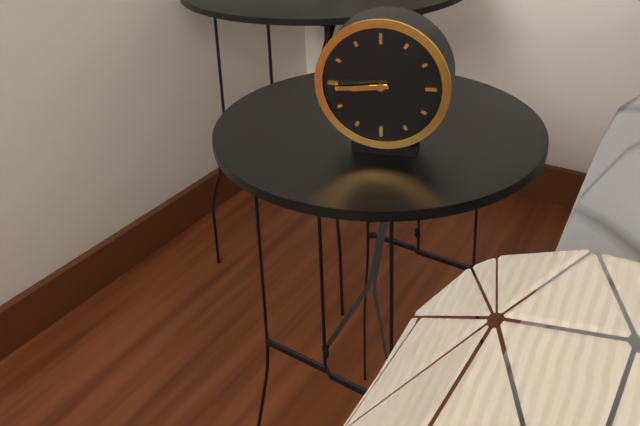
8:44
